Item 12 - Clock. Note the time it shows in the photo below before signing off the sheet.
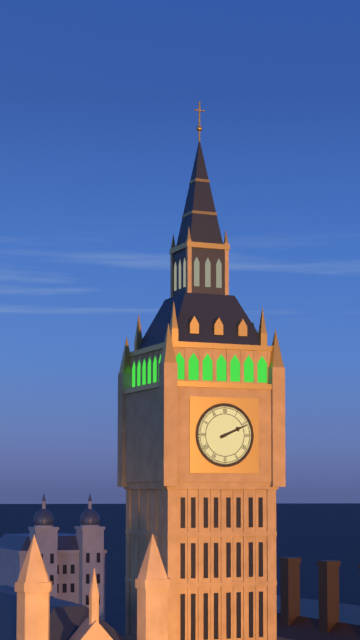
2:11
